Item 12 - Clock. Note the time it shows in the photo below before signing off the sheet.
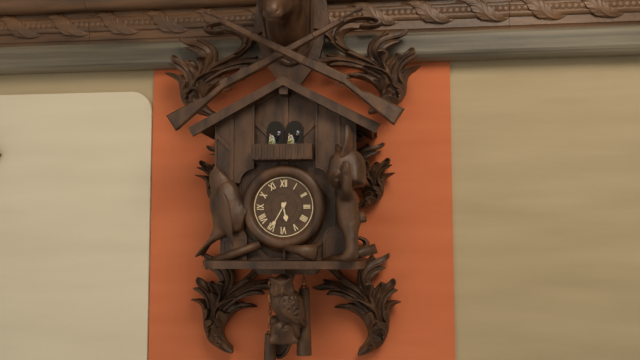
5:35
